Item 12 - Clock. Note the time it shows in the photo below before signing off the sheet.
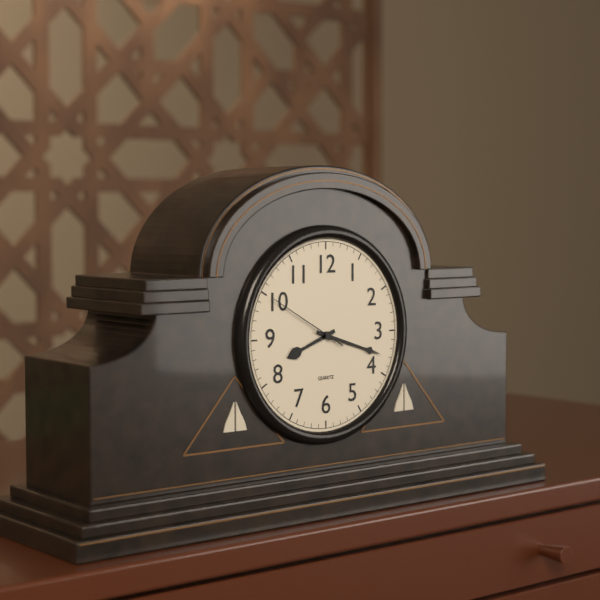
8:18:50
